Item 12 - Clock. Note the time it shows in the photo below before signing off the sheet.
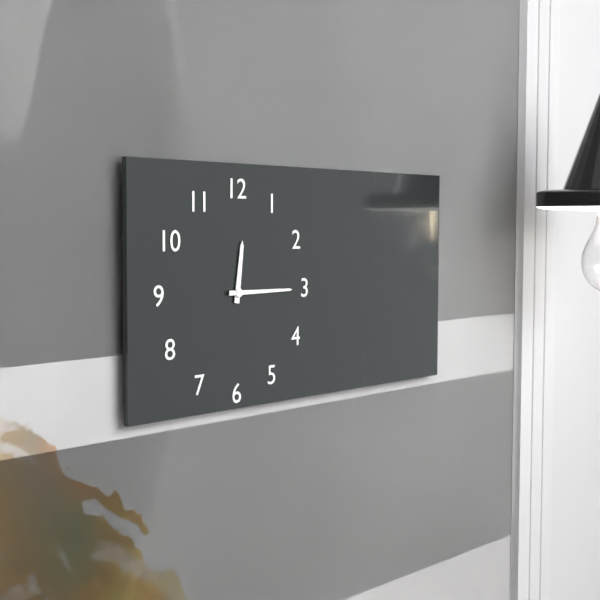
12:15
